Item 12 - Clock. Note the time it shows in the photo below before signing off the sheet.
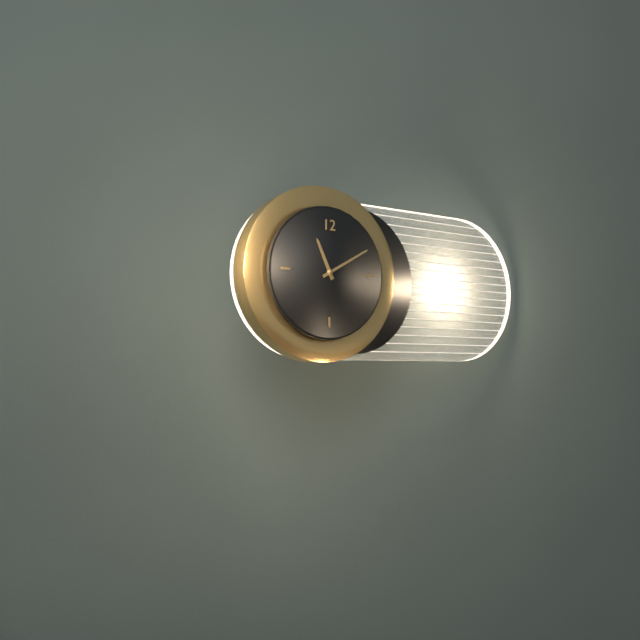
11:10
